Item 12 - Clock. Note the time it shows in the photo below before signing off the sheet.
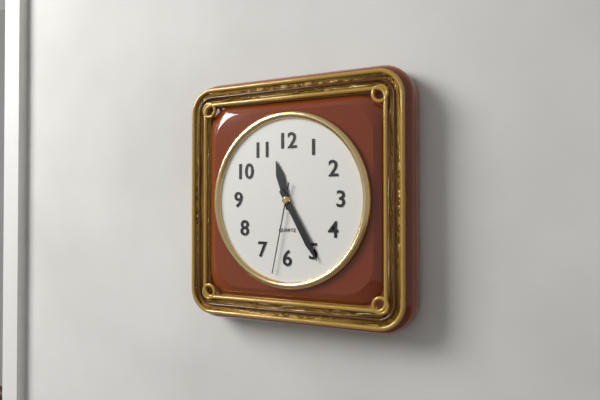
11:25:32
